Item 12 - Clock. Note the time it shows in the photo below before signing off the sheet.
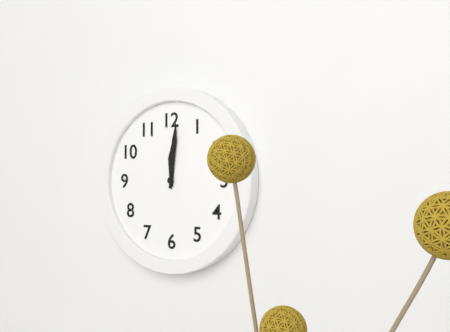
12:01
